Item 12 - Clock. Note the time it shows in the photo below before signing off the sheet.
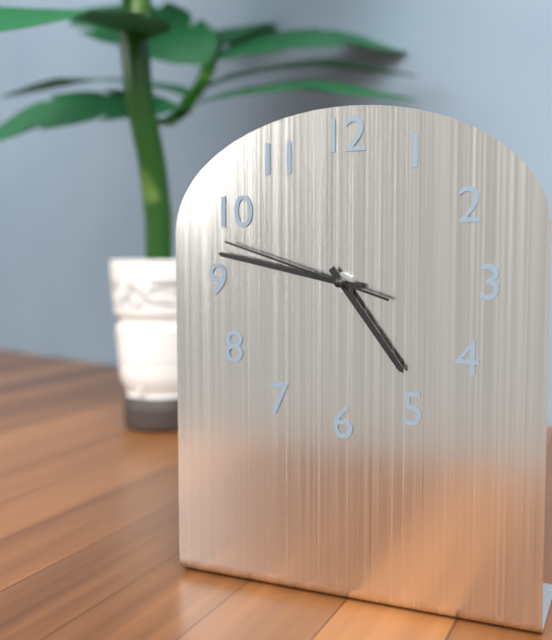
4:47:48
